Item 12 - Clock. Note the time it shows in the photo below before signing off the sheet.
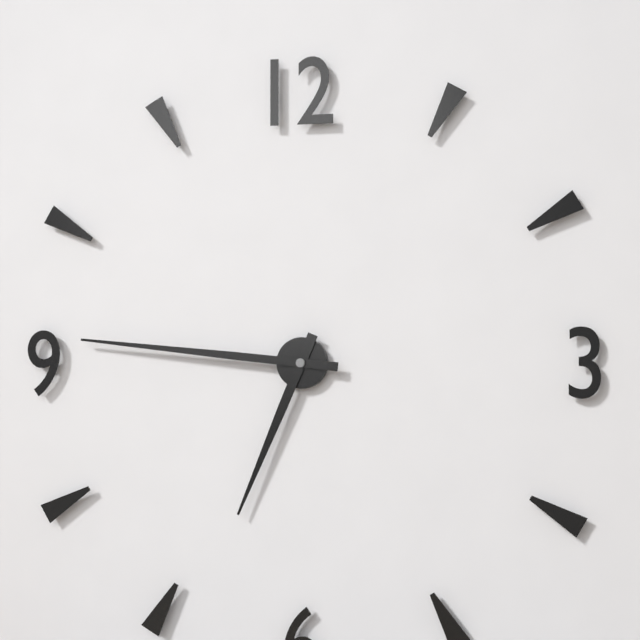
6:46
